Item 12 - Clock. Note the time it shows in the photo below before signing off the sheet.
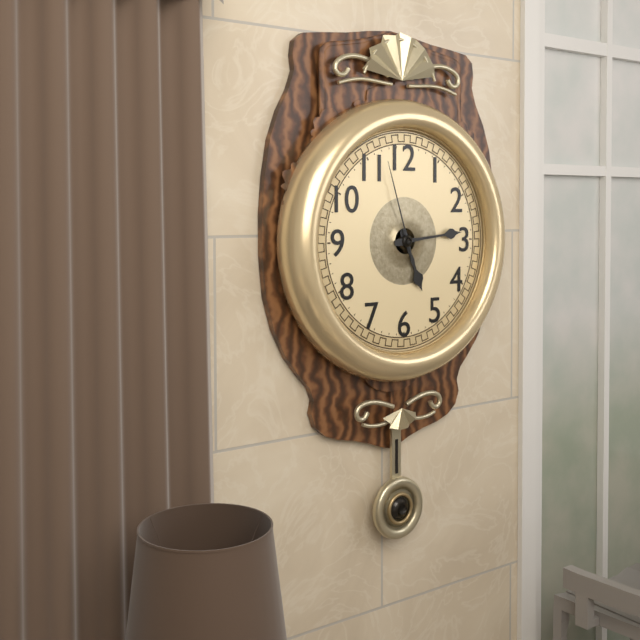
5:14:57
